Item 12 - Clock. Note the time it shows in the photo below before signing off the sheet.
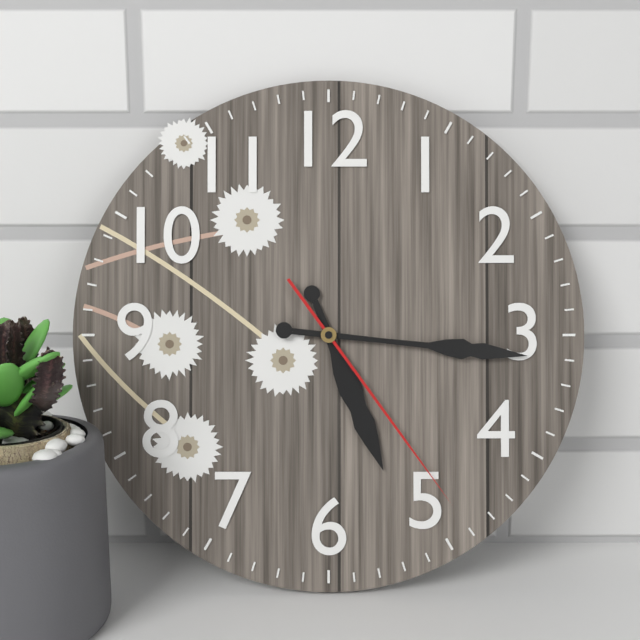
5:16:24
